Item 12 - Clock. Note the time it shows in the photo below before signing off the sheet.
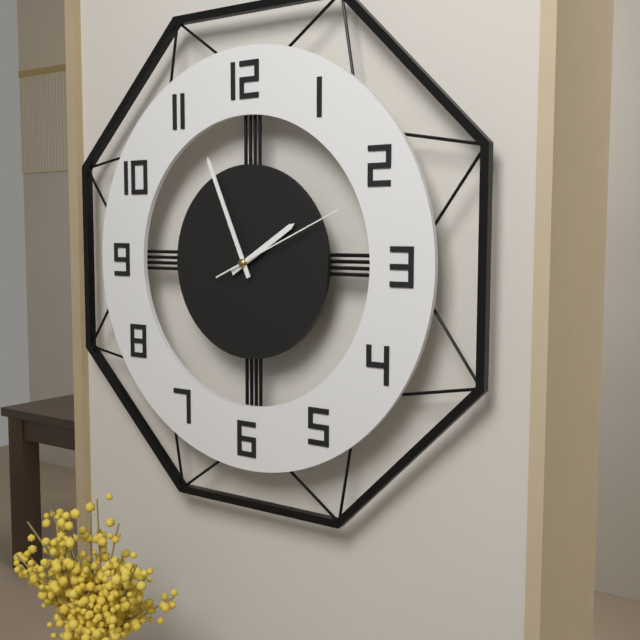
1:56:11
